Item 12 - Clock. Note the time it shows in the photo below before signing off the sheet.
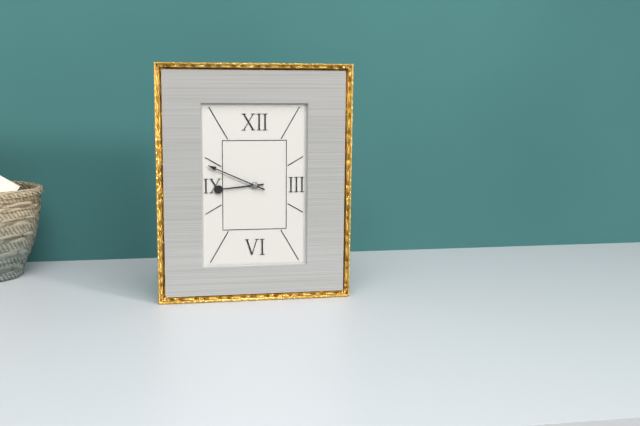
8:49
